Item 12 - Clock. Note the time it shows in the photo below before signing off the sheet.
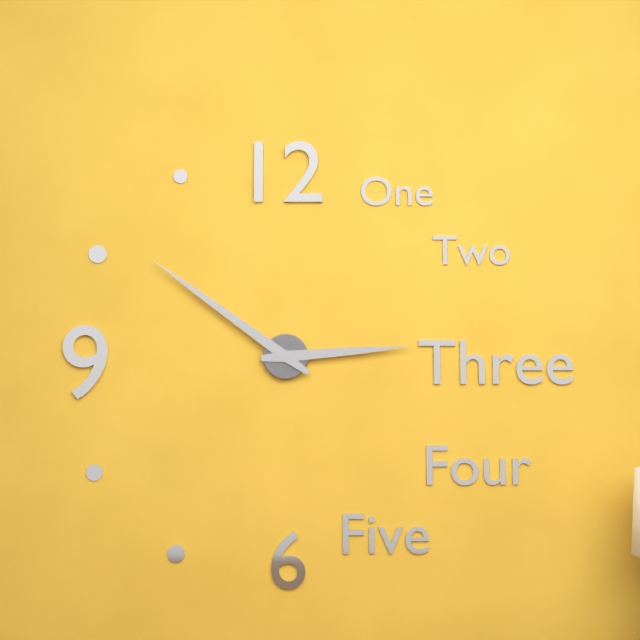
2:51
